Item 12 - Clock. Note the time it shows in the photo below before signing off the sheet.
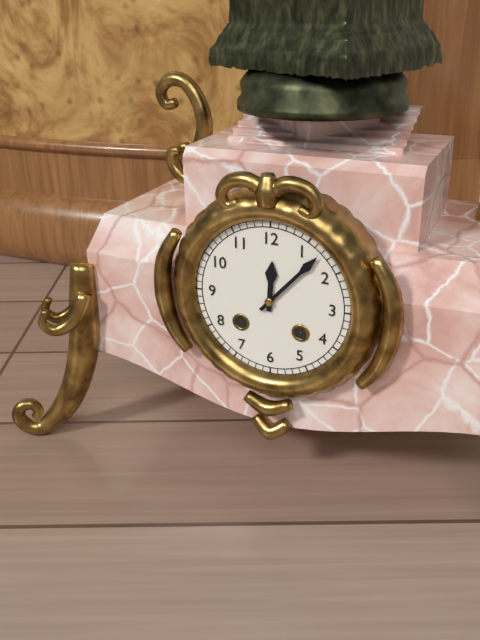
12:07
